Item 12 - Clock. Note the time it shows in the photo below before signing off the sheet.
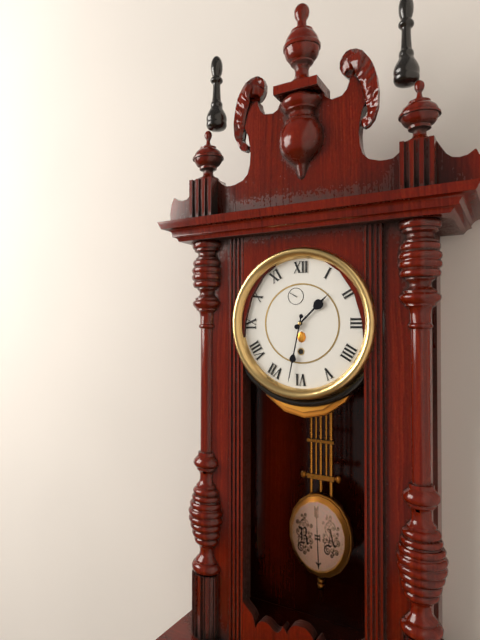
1:32
